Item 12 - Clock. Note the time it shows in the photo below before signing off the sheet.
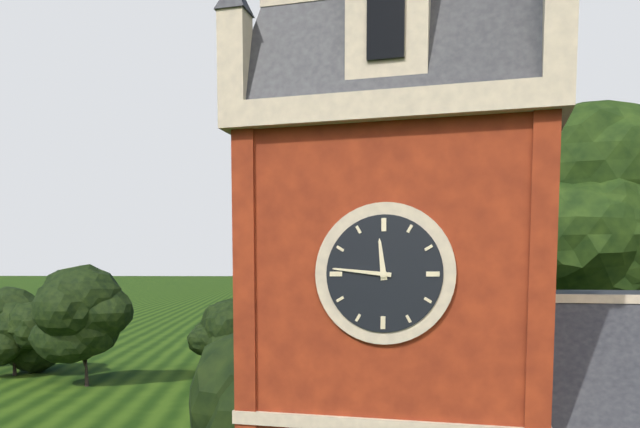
11:46
